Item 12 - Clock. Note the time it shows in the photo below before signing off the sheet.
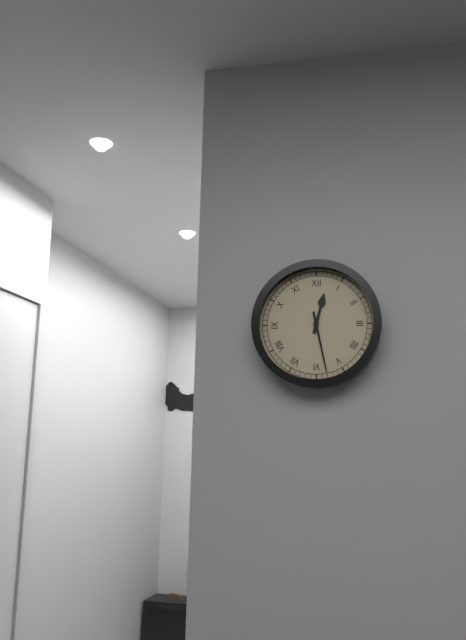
12:28
